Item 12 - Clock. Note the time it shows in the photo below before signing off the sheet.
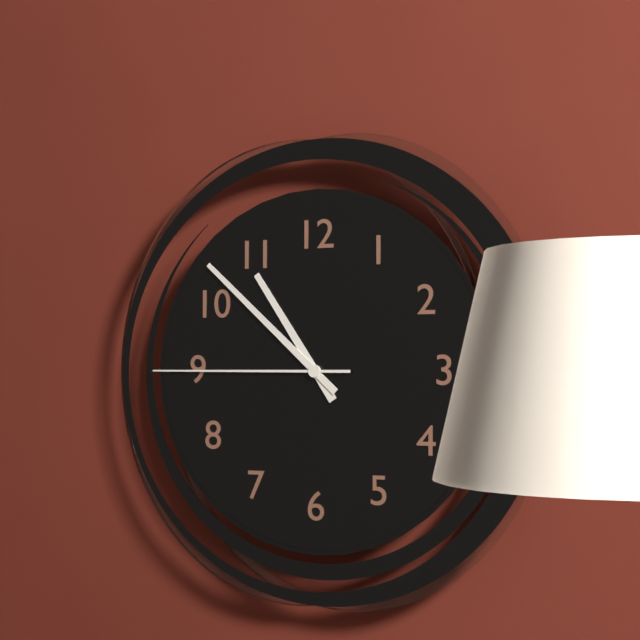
10:52:45
